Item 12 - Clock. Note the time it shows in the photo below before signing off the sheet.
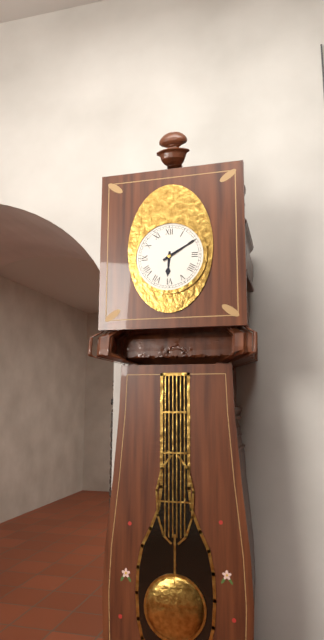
6:10
